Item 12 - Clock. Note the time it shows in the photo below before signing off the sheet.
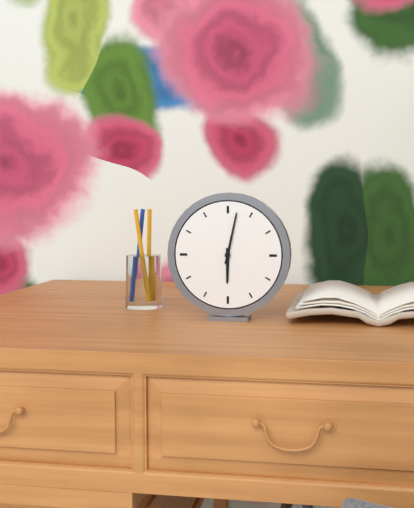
6:02
